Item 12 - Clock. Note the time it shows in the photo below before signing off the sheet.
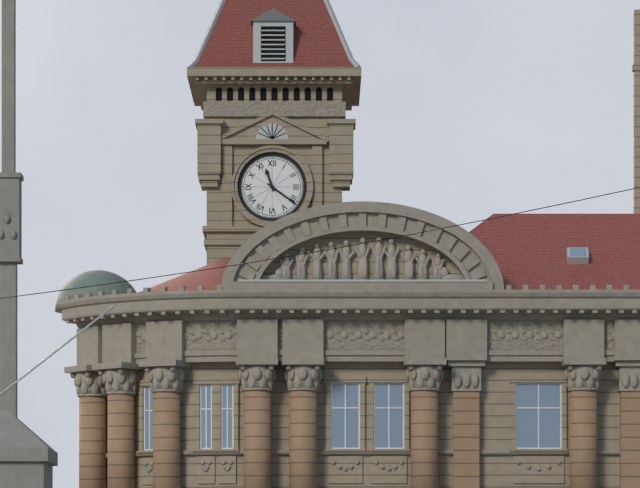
11:21
